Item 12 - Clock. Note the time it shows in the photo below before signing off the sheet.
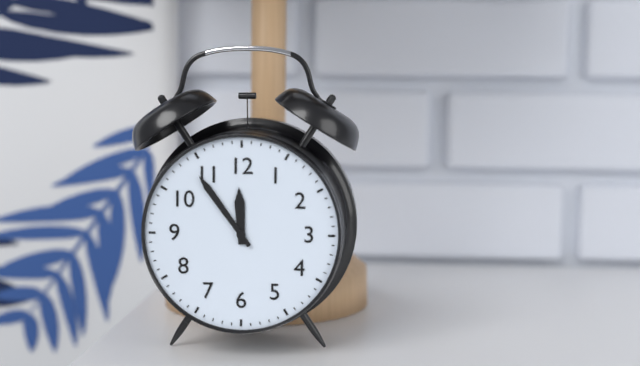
11:54
